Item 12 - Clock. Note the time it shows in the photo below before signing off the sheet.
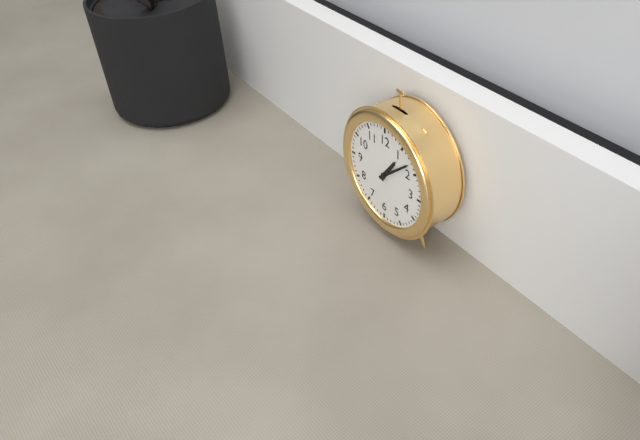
1:08
